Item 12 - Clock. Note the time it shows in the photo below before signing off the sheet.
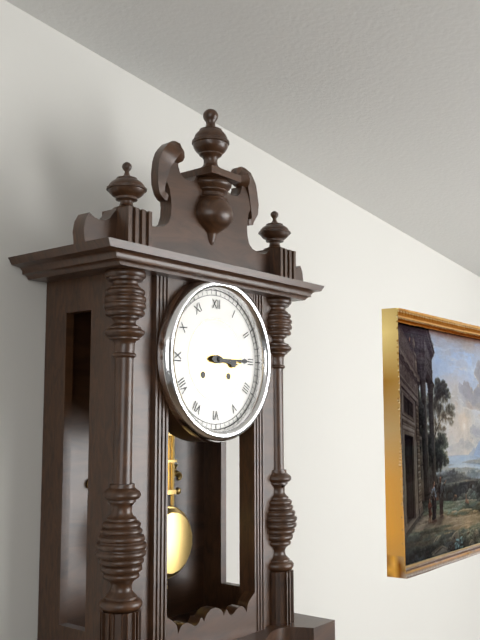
3:15
